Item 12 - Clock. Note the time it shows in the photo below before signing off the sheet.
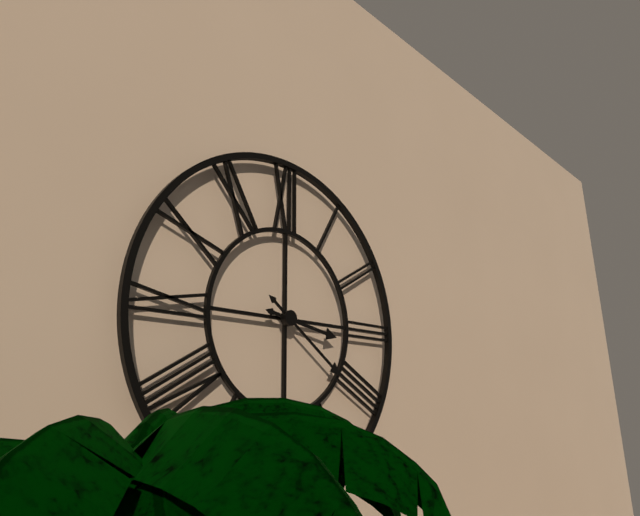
3:21
